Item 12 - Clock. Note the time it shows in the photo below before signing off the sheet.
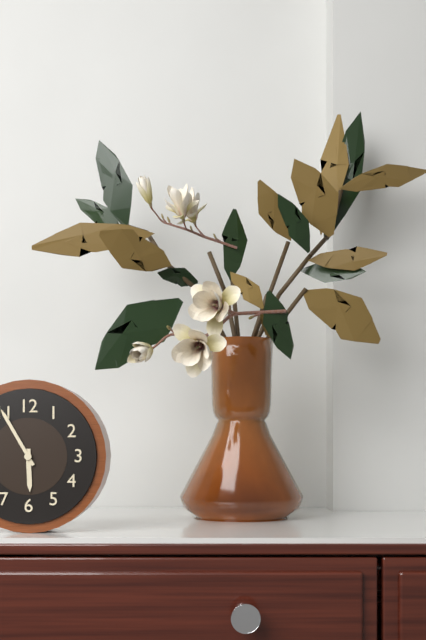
5:55
